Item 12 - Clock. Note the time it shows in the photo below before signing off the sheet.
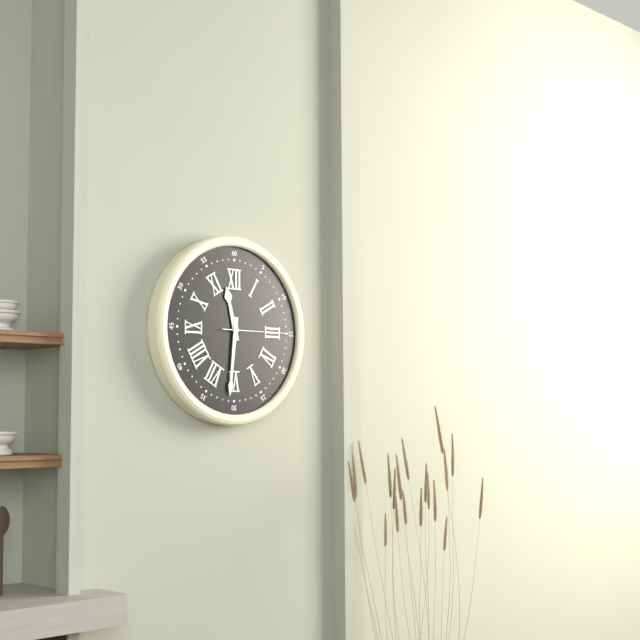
11:31:15
